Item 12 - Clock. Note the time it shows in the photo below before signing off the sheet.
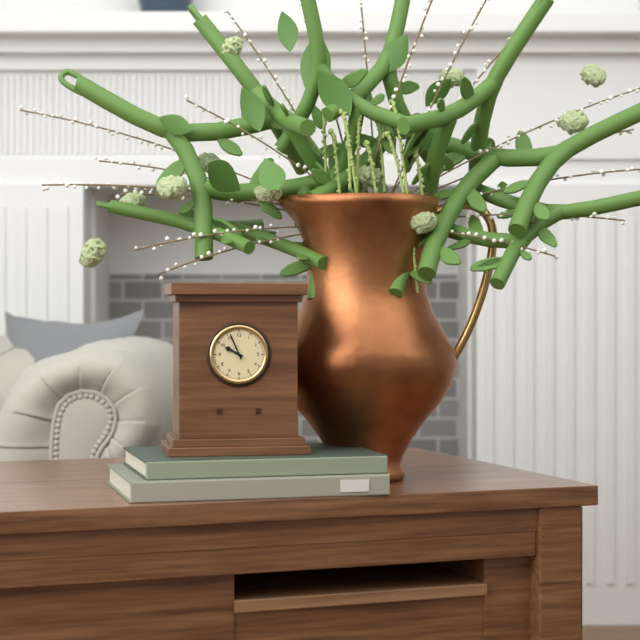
9:56
